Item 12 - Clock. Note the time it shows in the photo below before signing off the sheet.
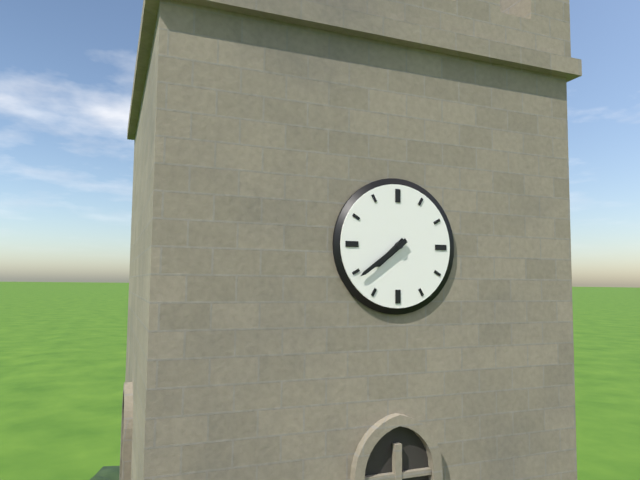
7:39
